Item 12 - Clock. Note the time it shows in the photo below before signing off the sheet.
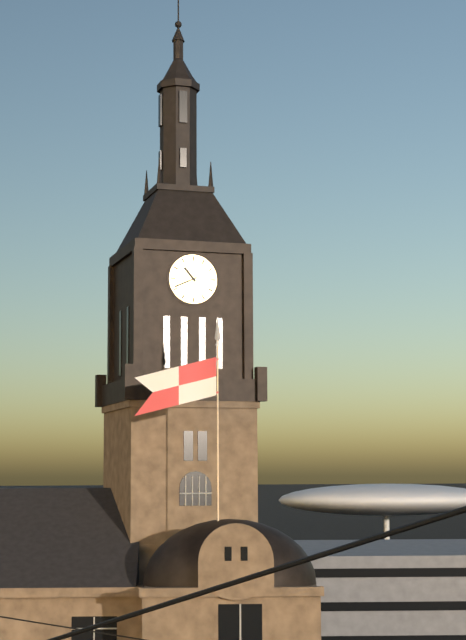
10:41
